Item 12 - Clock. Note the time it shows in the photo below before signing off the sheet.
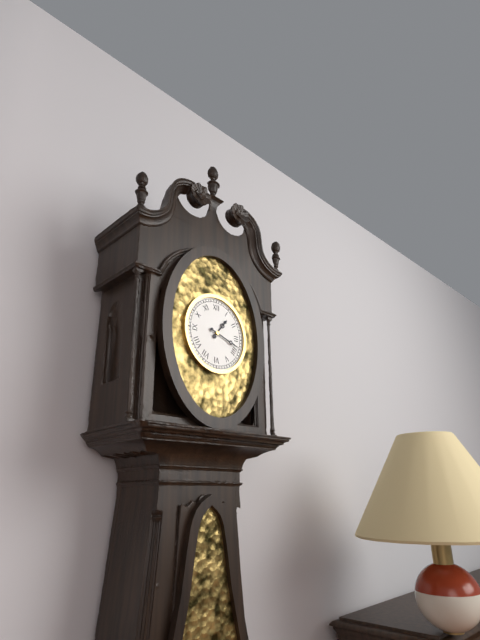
1:18
